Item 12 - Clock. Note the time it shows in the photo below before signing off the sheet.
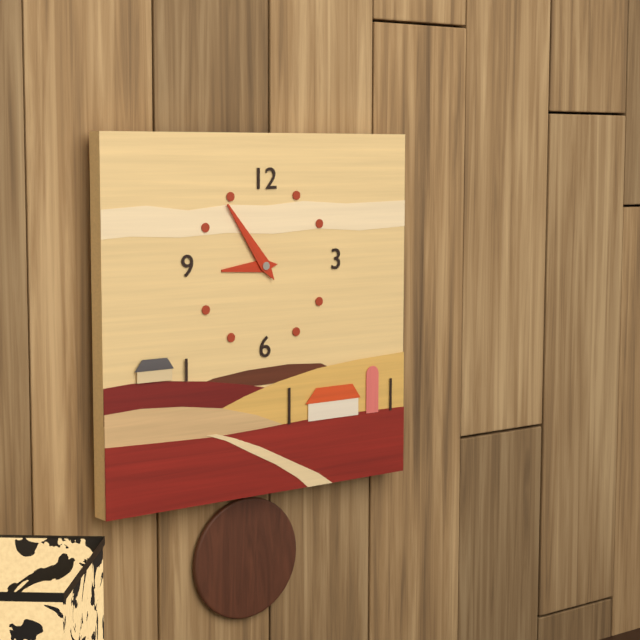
8:54
